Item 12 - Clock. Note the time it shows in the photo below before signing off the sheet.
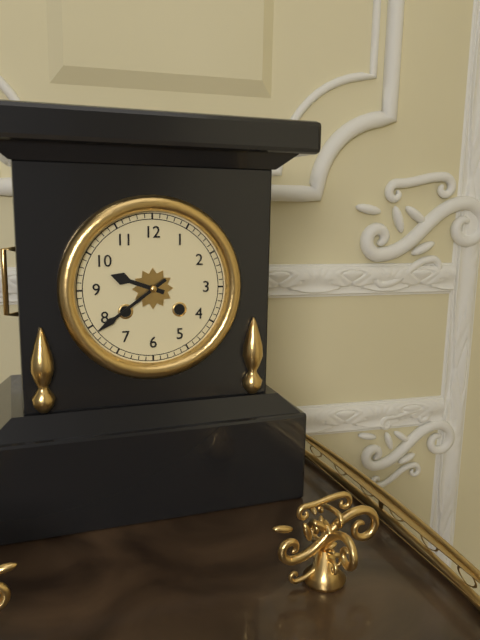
9:39
